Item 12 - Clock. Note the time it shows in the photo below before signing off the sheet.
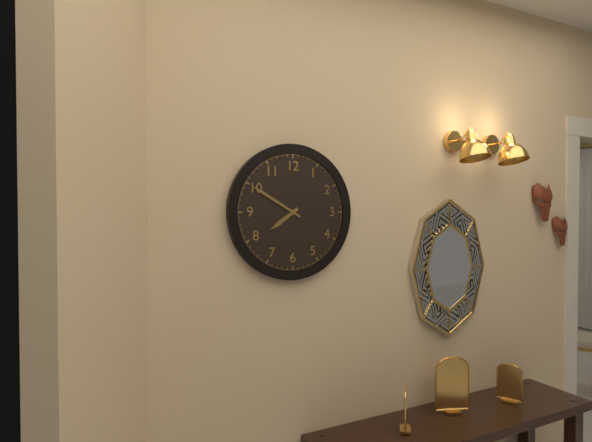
7:50
